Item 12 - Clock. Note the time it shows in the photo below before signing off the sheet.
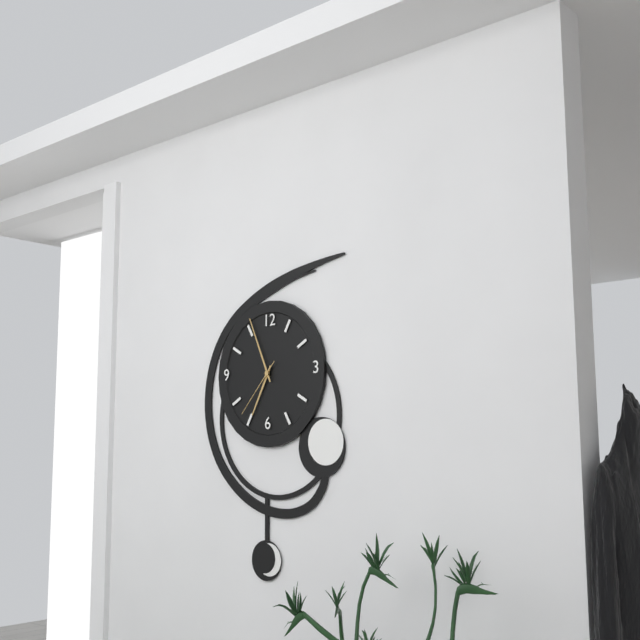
6:56:37
